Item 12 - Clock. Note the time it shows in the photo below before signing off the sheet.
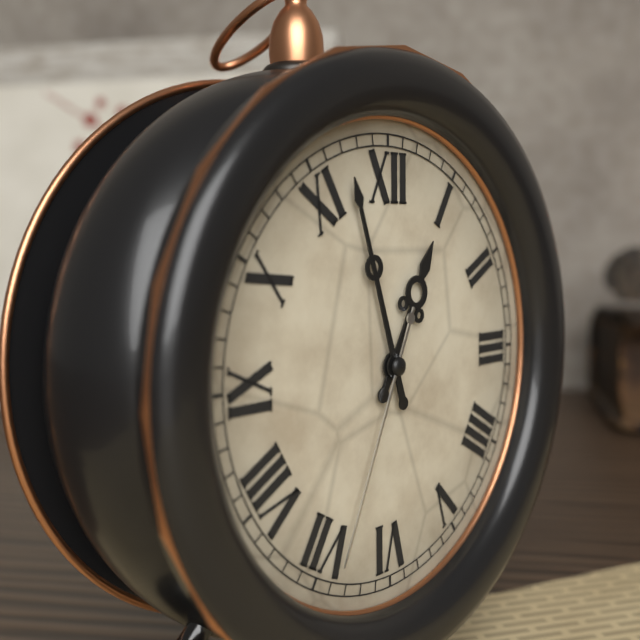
12:57:34
